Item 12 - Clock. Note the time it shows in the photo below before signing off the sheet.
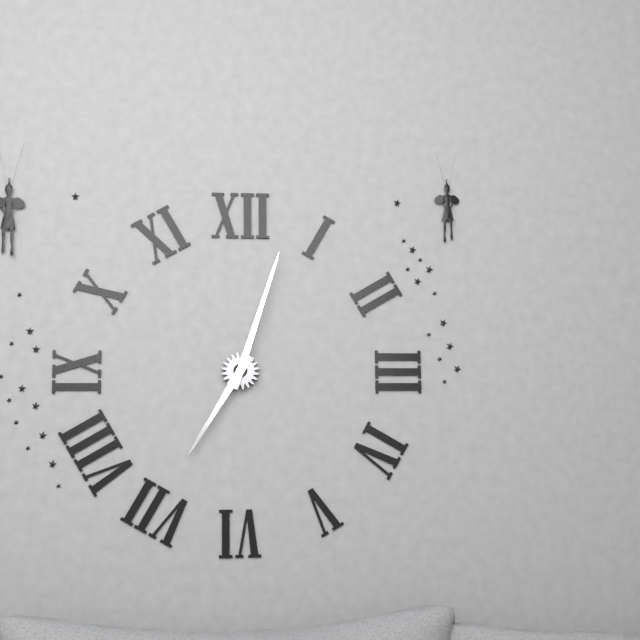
7:03
